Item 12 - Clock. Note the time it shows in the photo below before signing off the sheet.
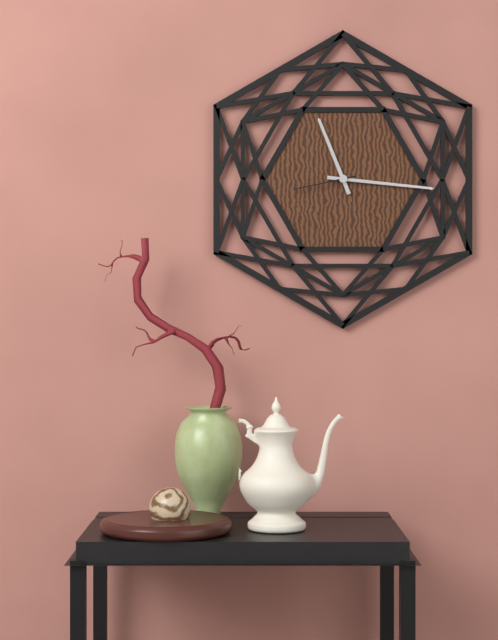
11:16:43
